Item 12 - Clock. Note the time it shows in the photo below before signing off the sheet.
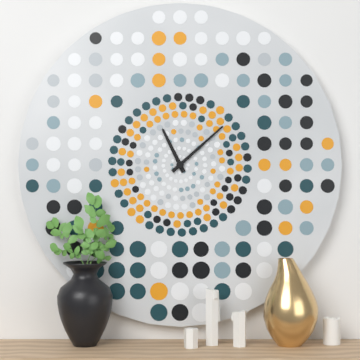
11:08
